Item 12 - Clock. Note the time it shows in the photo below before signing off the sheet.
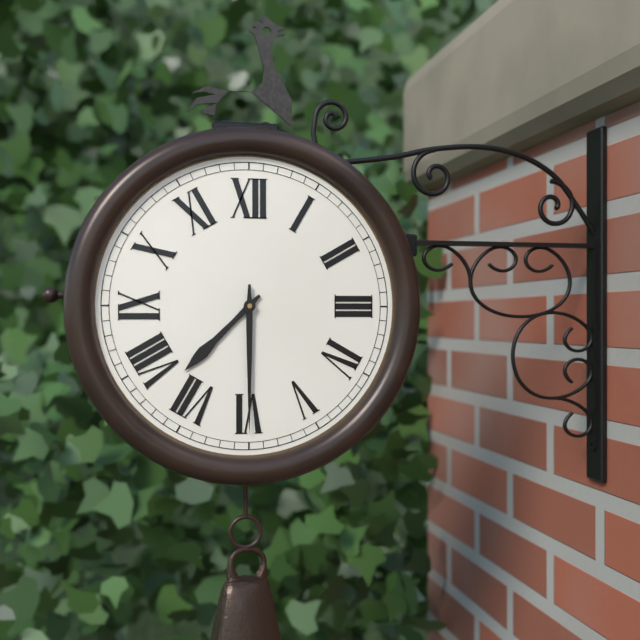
7:30
